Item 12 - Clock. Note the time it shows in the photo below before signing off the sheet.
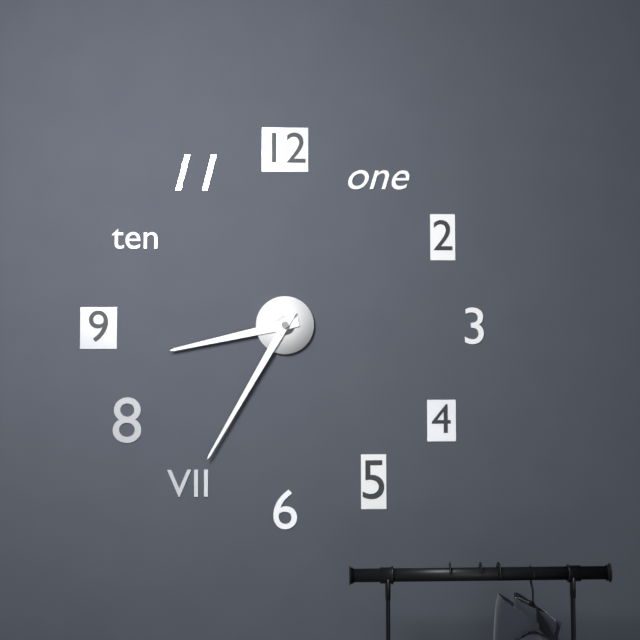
8:35
